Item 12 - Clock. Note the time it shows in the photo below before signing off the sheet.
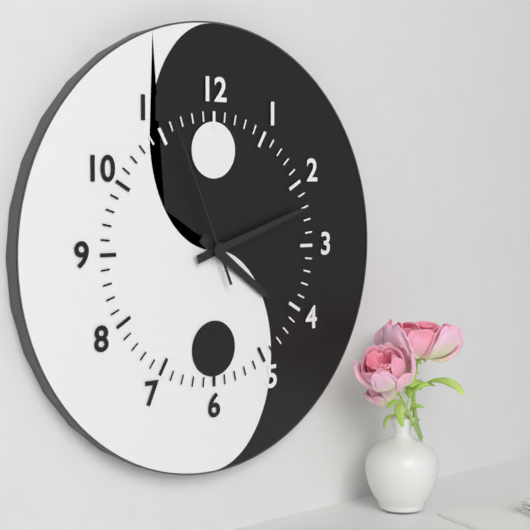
4:12:56
